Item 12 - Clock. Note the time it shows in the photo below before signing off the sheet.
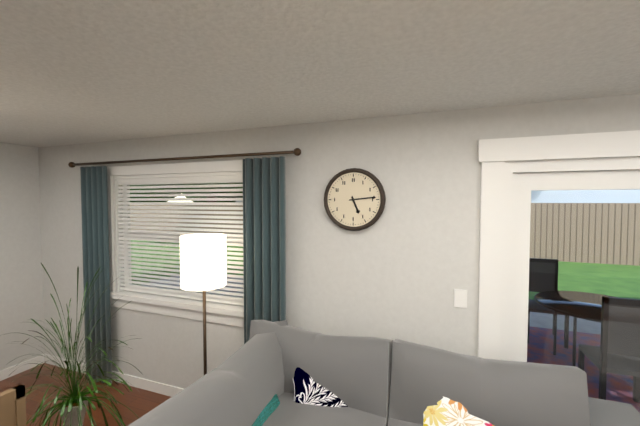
5:14
